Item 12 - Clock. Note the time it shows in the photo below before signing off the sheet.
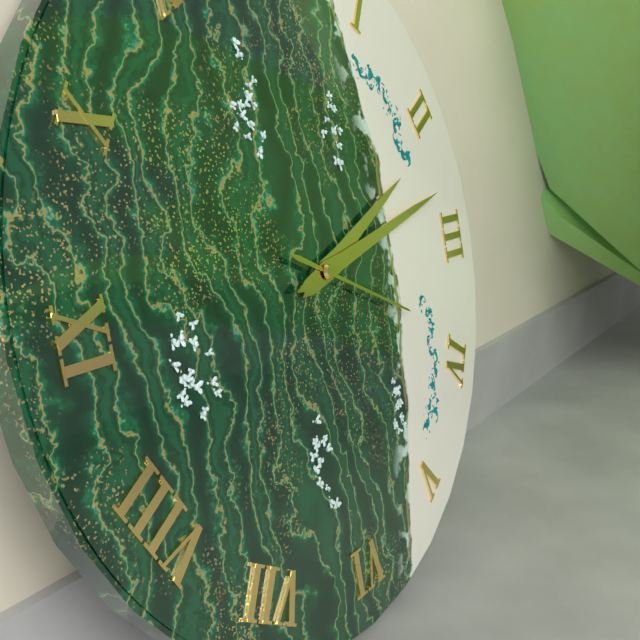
2:13:19
